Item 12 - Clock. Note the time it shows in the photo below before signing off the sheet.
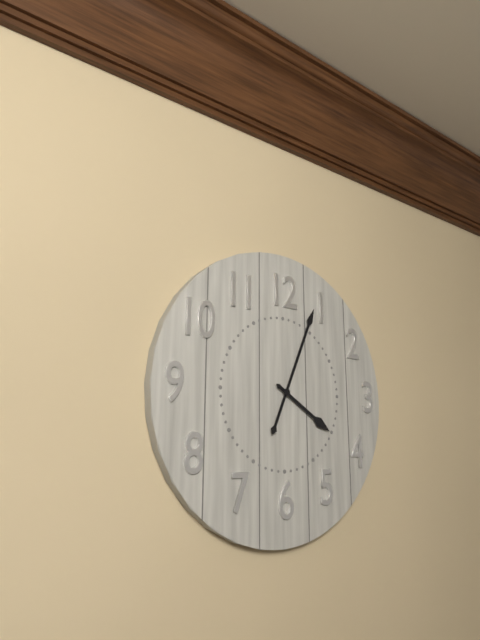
4:04
